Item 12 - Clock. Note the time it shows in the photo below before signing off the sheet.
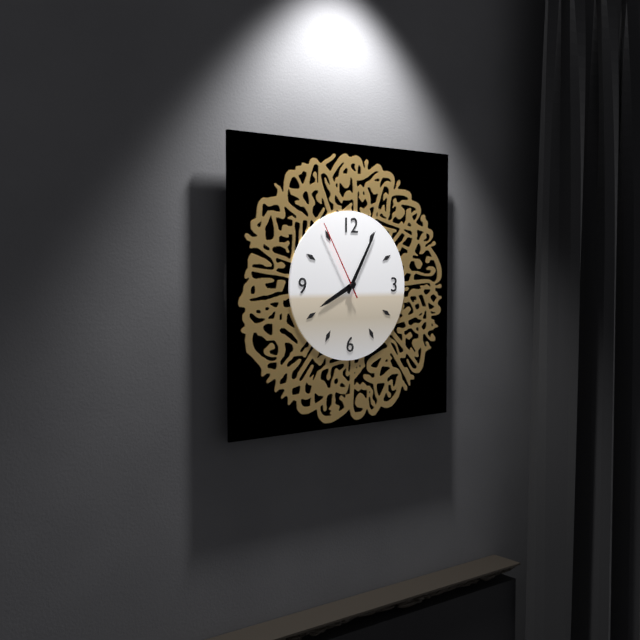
8:05:55
